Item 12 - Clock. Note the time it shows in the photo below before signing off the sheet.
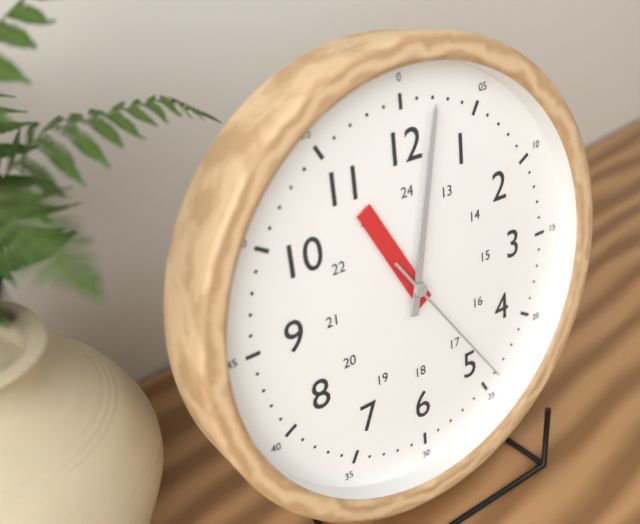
11:02:24
